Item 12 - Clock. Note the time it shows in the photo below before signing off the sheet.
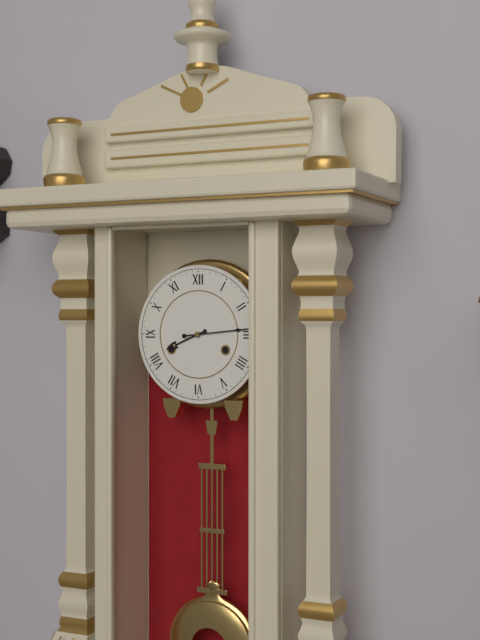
8:14
